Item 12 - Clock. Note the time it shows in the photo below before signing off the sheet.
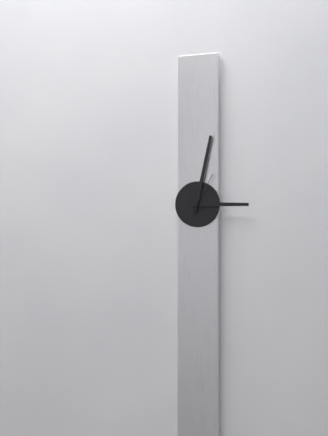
3:02
